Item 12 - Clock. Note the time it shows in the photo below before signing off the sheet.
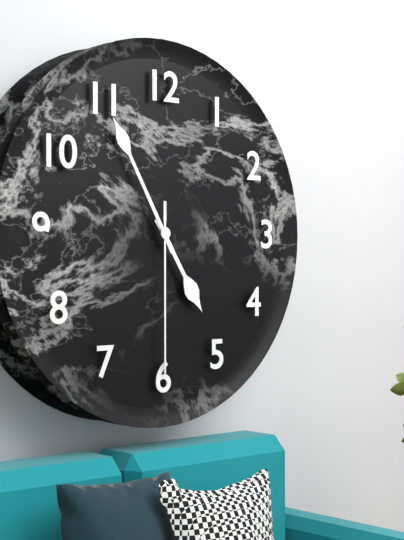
4:55:30
